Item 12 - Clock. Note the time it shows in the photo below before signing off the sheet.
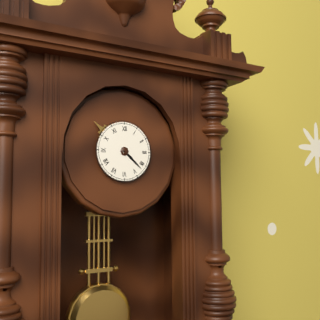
4:22
